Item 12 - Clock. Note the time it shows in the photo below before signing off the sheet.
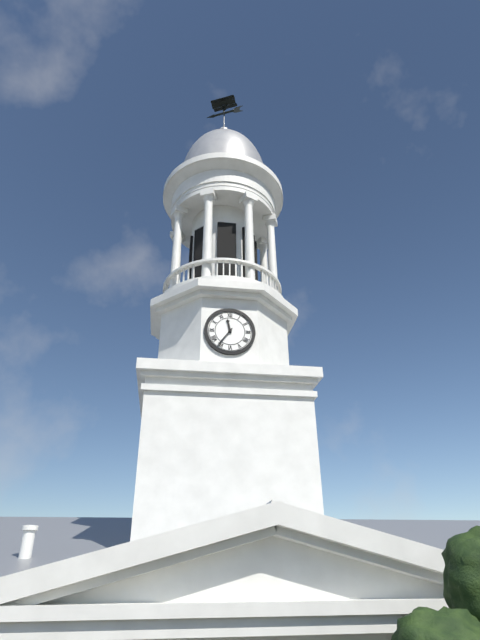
11:36
